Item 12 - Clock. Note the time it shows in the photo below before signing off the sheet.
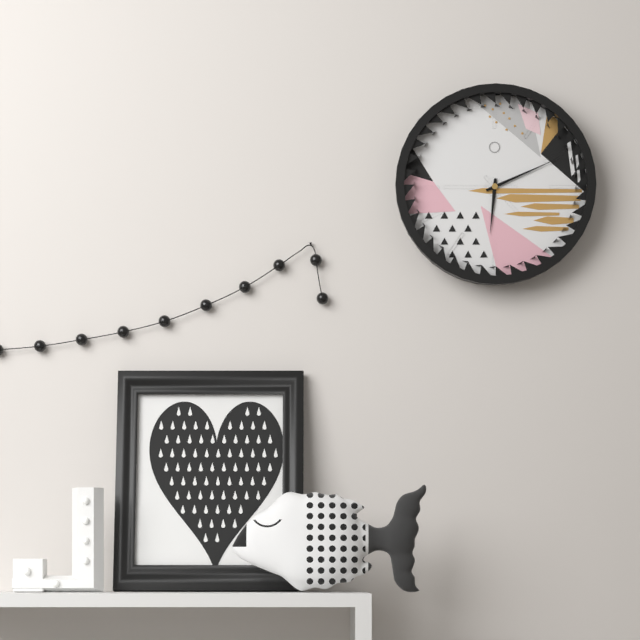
6:11
